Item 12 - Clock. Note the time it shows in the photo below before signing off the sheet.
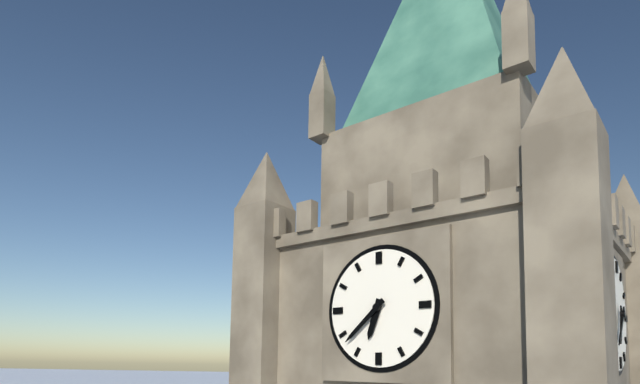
6:38
